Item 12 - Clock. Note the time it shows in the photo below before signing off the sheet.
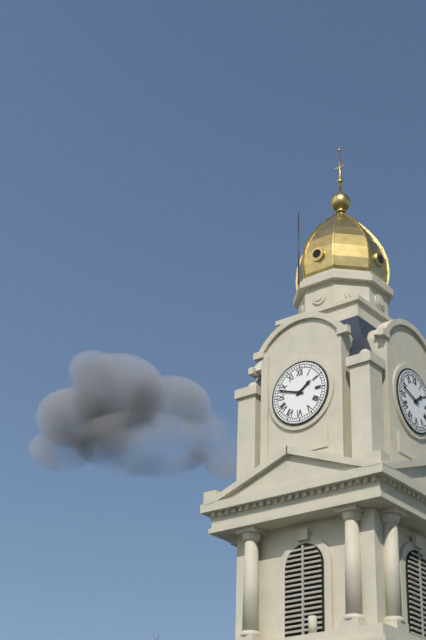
1:48
